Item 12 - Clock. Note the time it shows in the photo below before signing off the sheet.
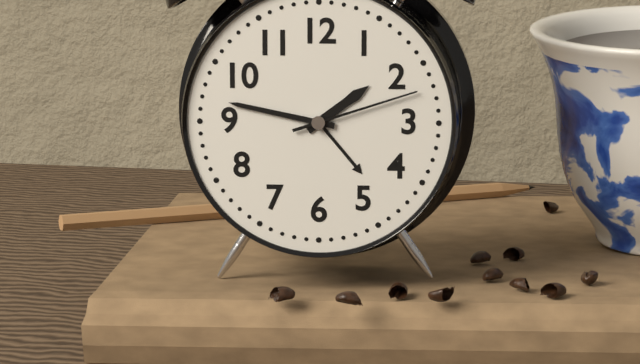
1:47:12
